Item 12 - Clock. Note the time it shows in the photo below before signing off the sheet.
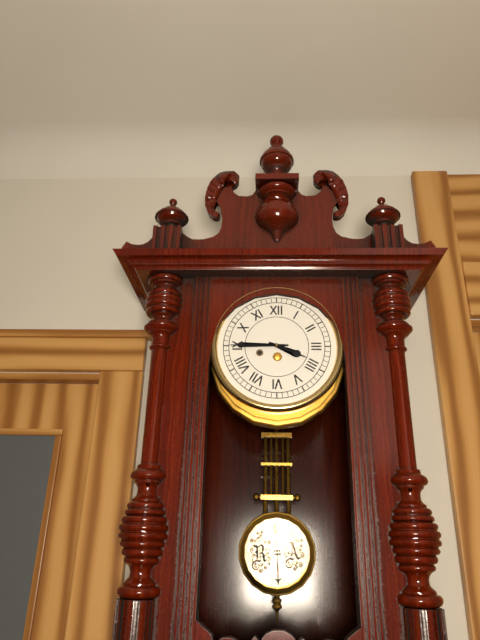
3:45
